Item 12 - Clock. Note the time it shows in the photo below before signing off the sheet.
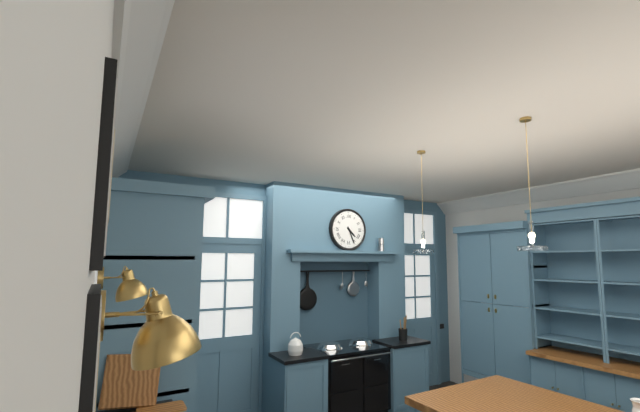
4:26
